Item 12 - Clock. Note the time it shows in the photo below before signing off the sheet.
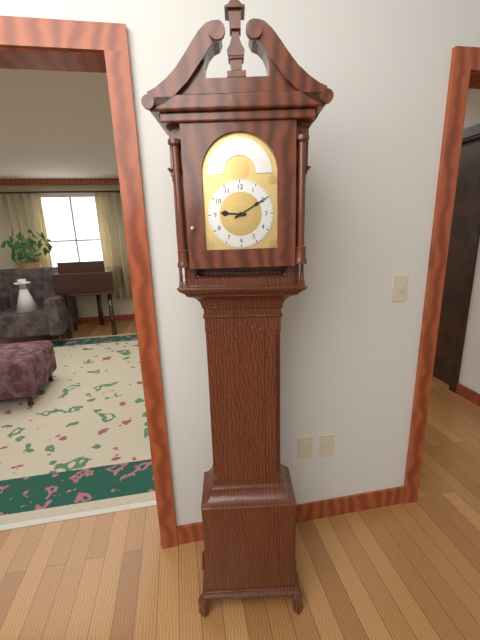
9:10
